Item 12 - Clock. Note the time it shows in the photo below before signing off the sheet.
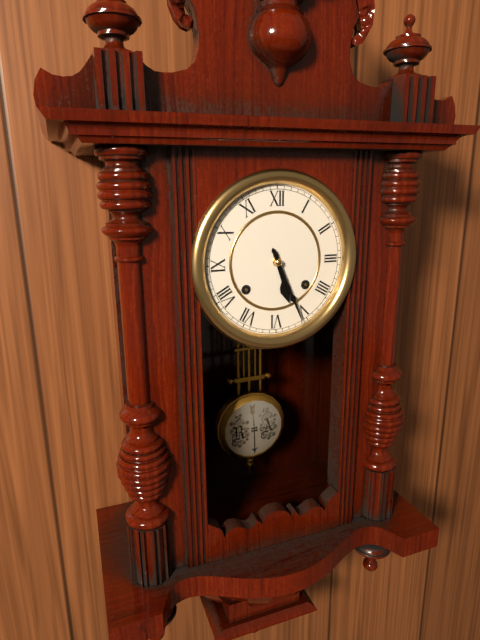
5:26
